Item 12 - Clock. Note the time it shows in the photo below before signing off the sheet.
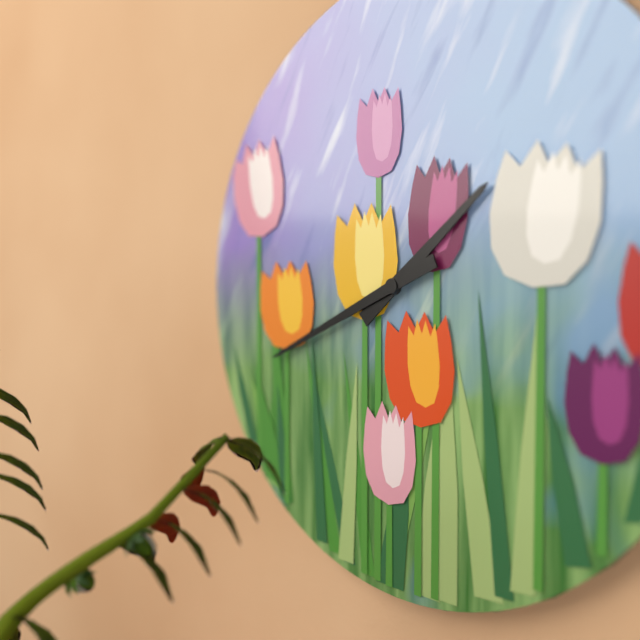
1:41
